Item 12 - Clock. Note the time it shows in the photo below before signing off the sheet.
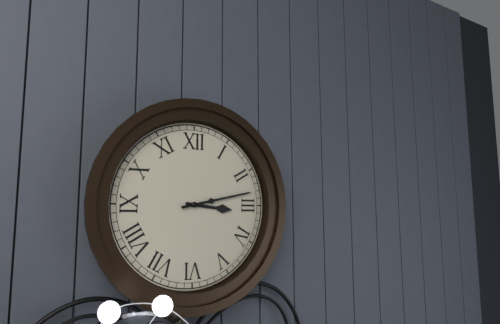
3:13
